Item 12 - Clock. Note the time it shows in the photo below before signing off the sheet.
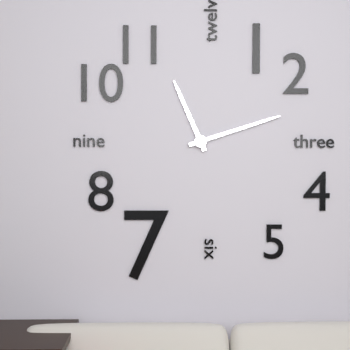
11:12
